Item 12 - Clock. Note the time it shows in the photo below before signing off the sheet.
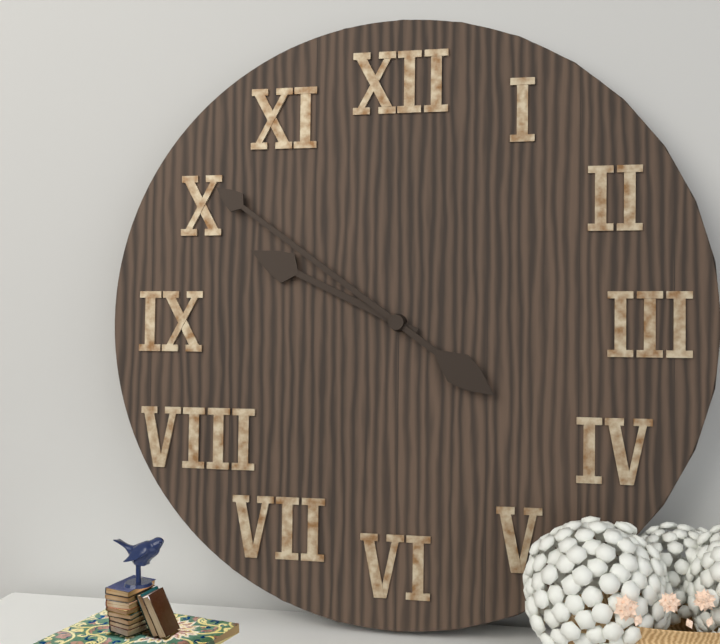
9:51
